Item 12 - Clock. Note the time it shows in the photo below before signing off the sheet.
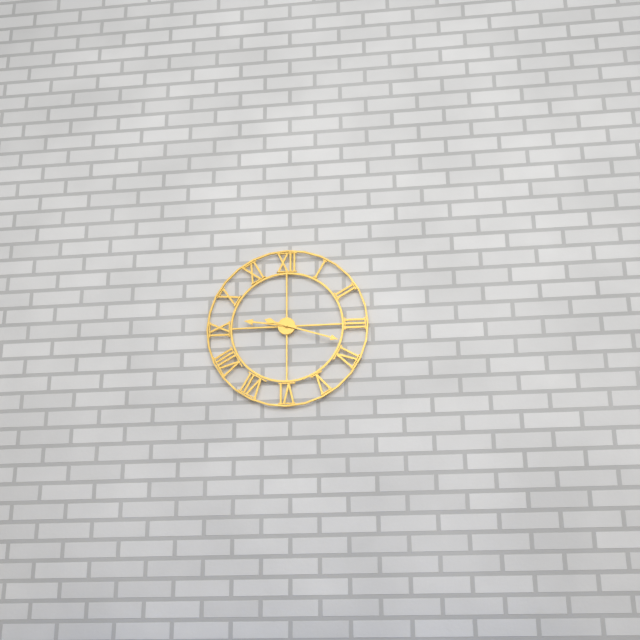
9:18
